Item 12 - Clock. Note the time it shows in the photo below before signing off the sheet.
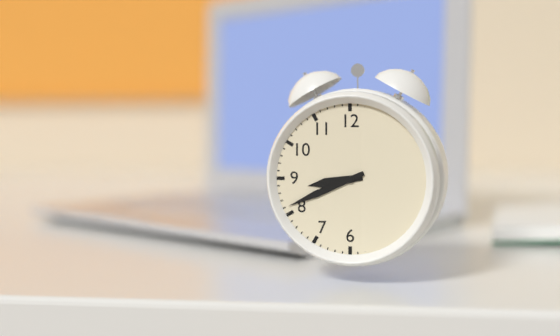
8:41
